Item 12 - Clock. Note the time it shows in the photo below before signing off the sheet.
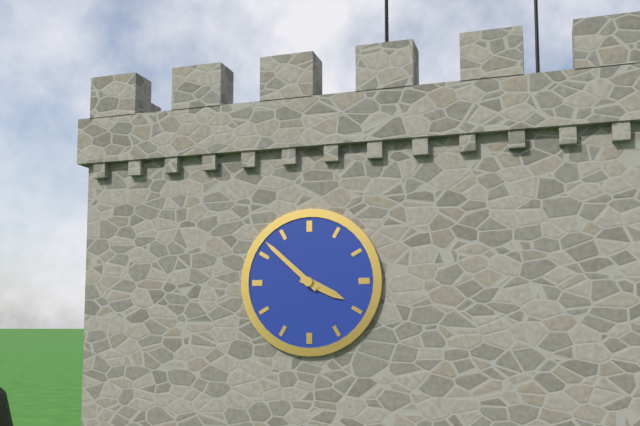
3:52
